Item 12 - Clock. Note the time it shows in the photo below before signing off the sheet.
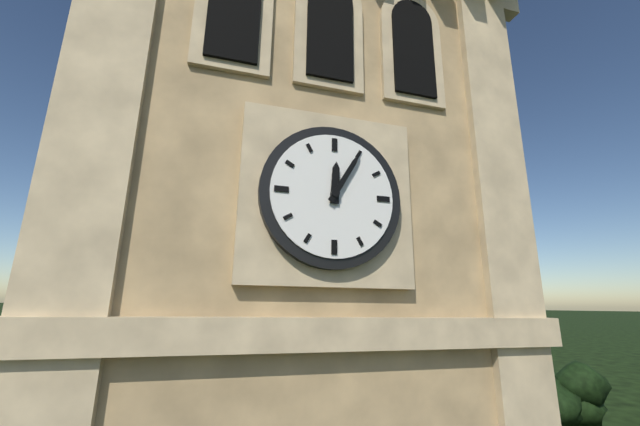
12:05
